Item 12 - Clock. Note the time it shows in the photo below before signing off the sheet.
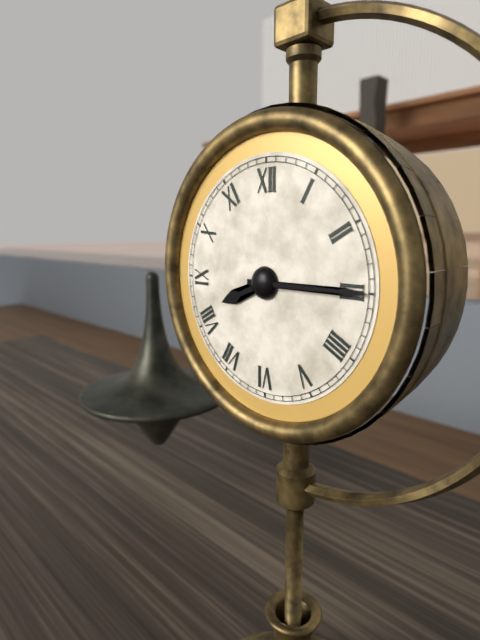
8:15
